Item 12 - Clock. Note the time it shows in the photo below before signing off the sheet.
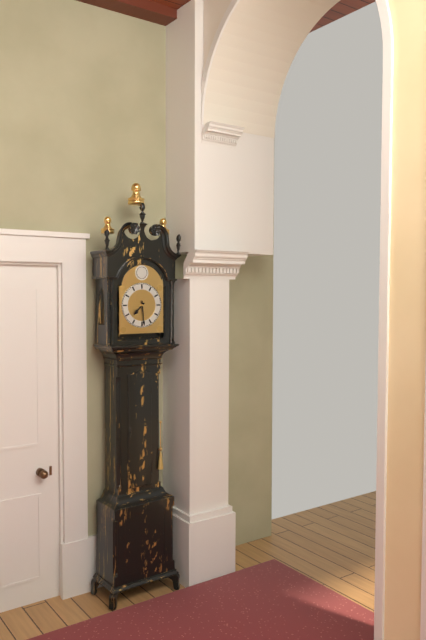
7:29
